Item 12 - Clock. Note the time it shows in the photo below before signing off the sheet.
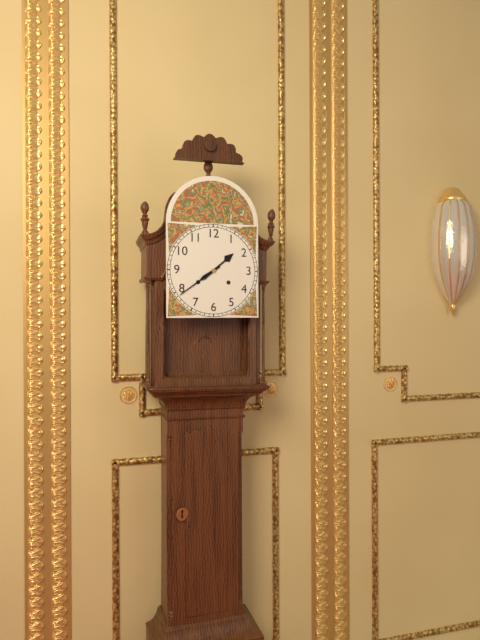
1:39
